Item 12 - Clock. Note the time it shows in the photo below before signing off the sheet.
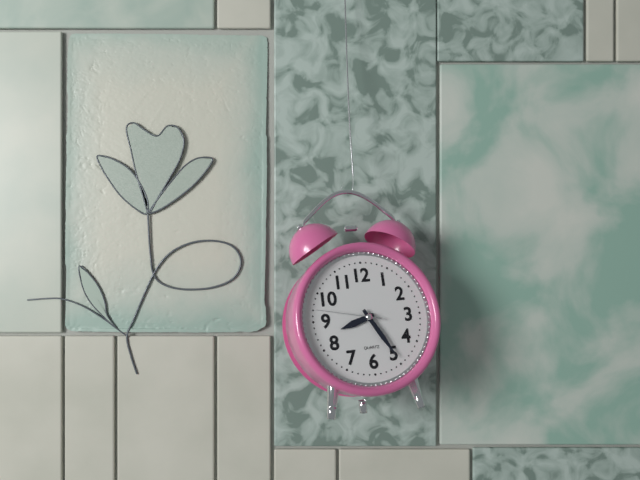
8:25:47
